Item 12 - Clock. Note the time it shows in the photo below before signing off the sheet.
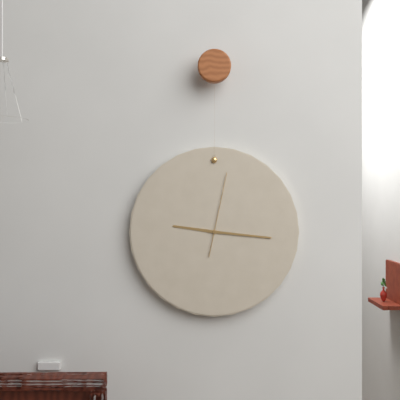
9:16:02
